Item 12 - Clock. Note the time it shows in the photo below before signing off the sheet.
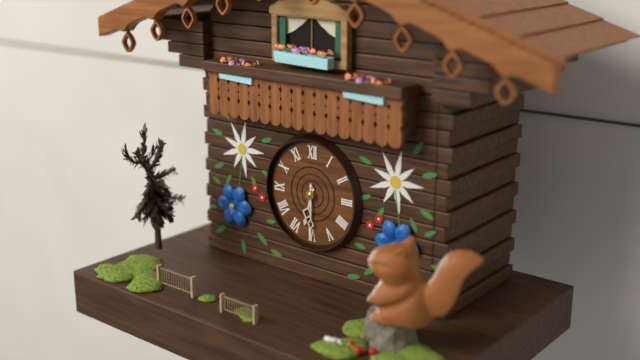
6:30
